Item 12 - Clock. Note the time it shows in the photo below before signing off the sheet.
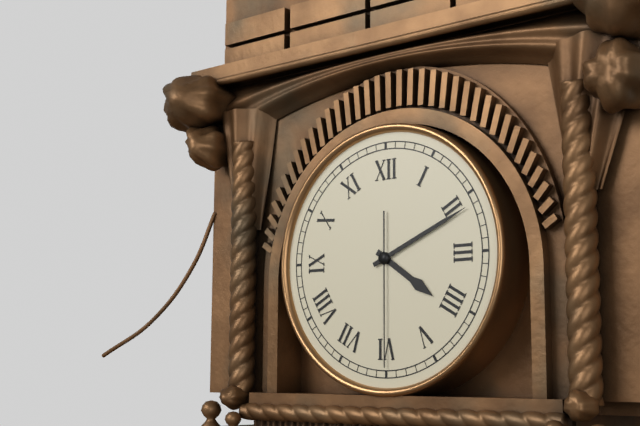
4:11:30
